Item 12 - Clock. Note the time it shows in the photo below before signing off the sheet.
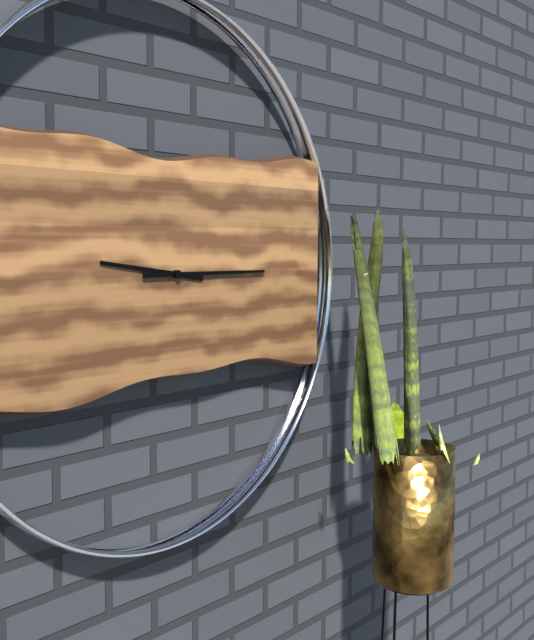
9:15
